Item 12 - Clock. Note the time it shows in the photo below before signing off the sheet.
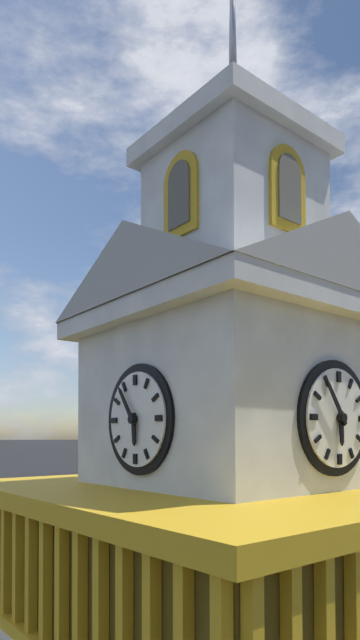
5:54
